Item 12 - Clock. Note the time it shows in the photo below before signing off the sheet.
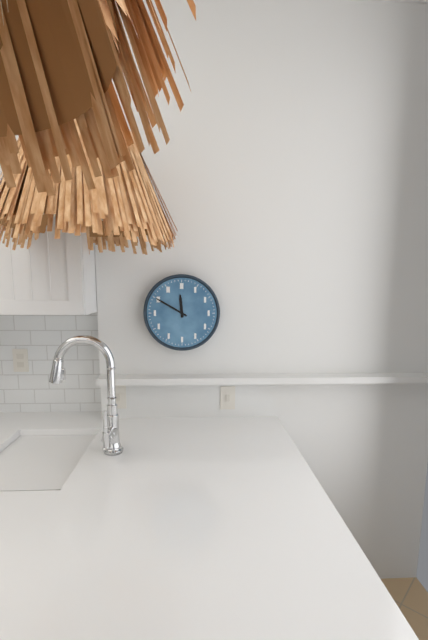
11:50
